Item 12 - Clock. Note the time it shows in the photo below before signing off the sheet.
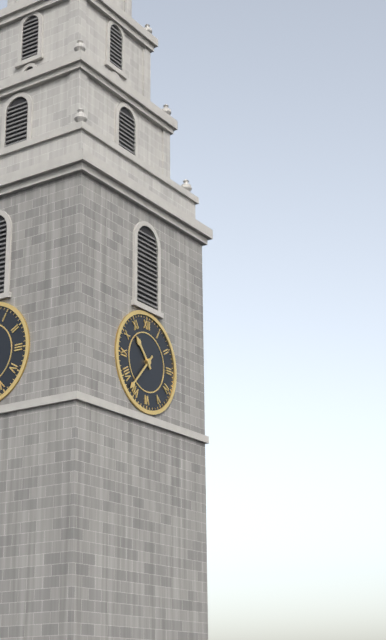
10:37
